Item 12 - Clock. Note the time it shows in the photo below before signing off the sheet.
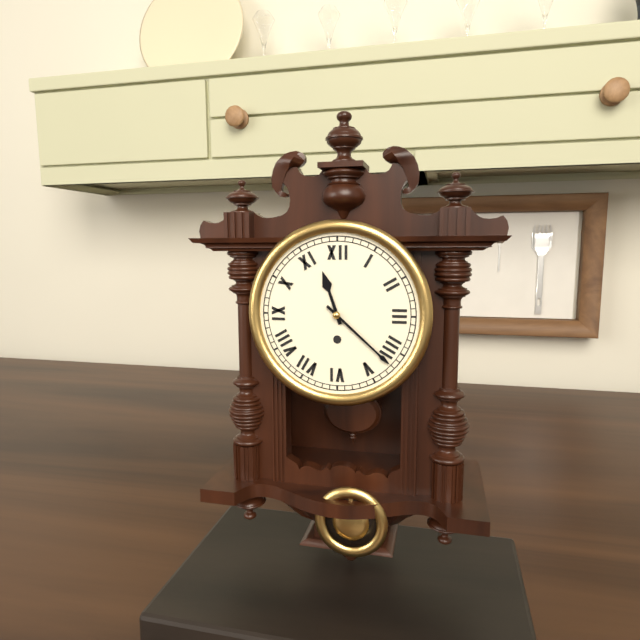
11:22
